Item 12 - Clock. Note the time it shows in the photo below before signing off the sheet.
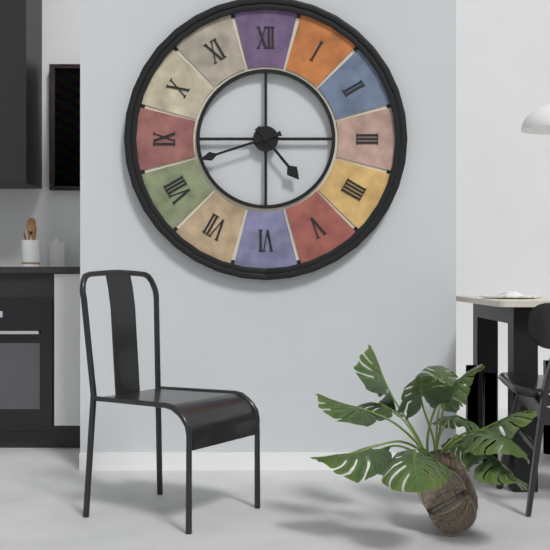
4:42
